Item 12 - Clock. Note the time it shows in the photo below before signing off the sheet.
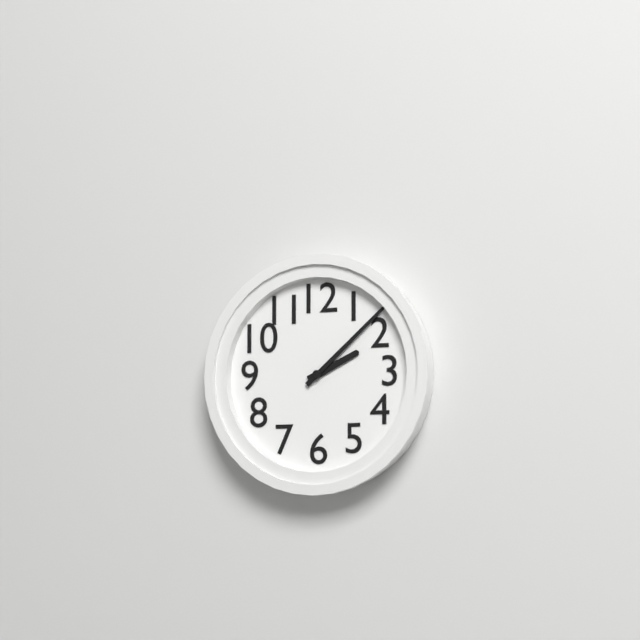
2:08
